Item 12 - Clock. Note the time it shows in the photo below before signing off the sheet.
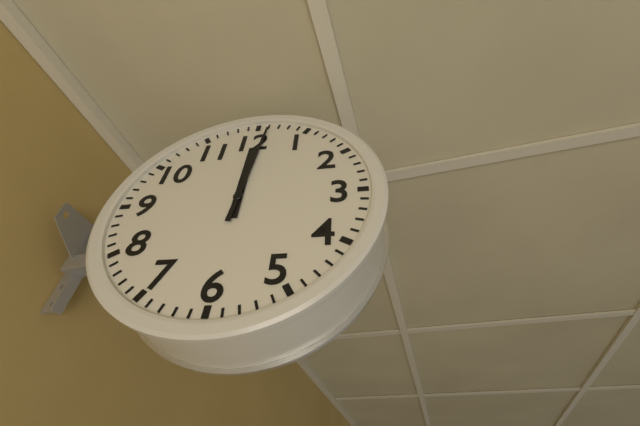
12:01
